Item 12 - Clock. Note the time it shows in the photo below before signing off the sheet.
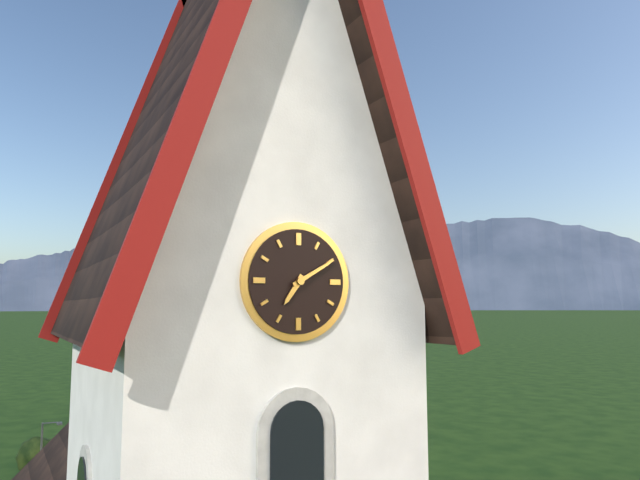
7:10
